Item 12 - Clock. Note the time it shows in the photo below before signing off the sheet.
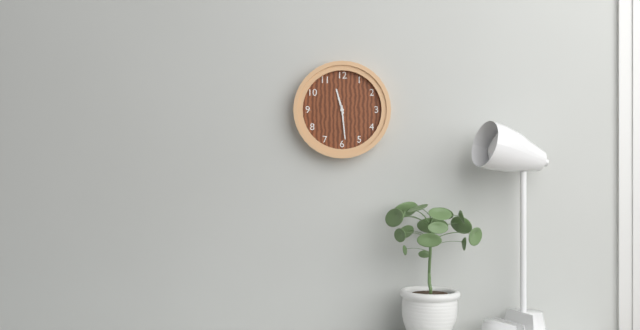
11:29
